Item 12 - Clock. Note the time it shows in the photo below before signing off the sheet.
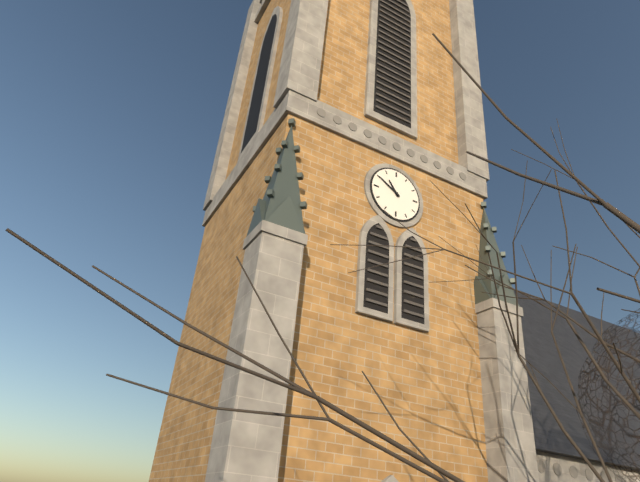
10:50
